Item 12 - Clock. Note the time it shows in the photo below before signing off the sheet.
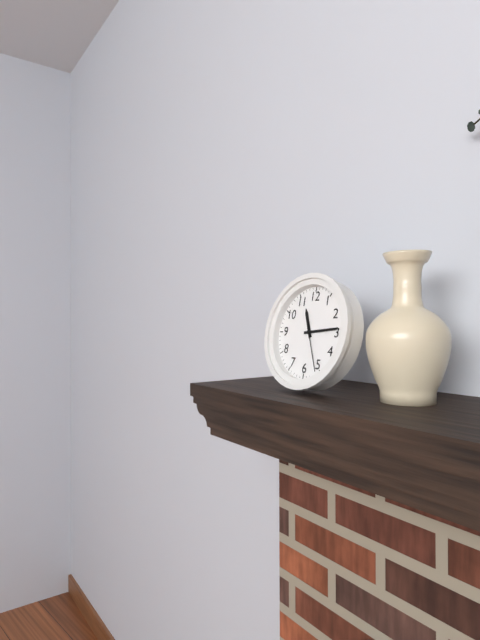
11:14
